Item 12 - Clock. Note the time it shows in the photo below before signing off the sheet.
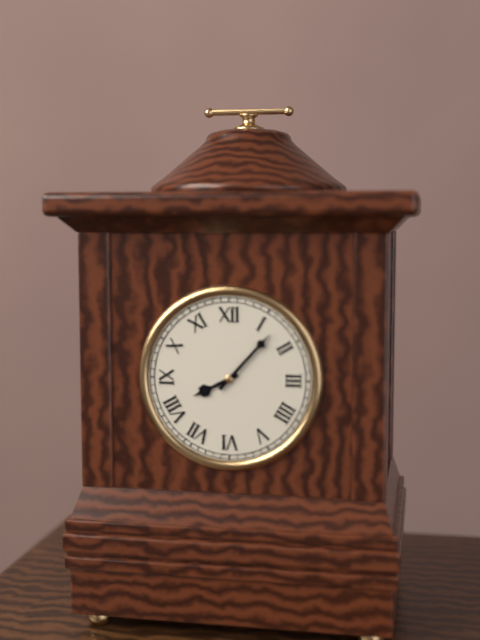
8:07
